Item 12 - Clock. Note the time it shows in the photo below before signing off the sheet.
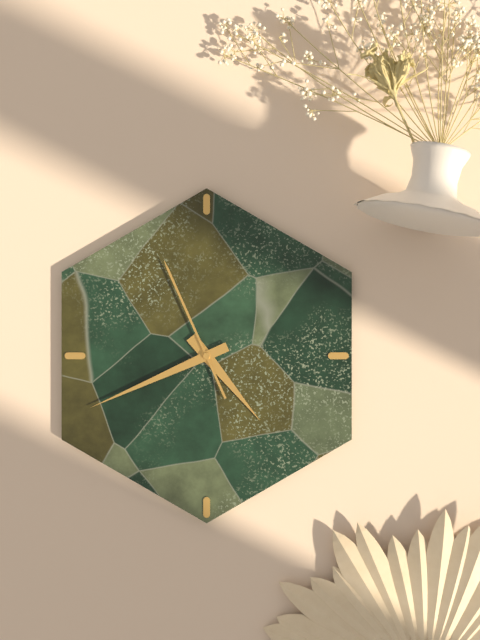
4:41:56
